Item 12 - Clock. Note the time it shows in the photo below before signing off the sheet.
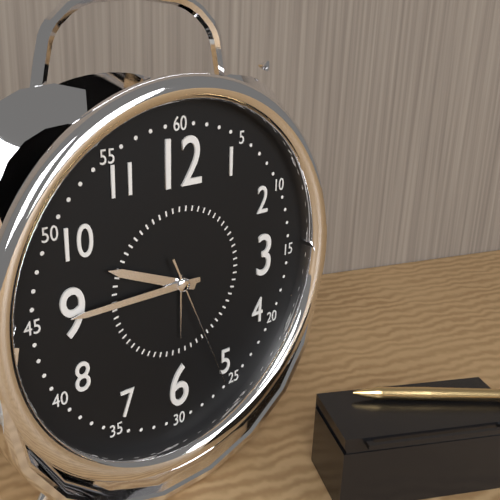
9:45:26
